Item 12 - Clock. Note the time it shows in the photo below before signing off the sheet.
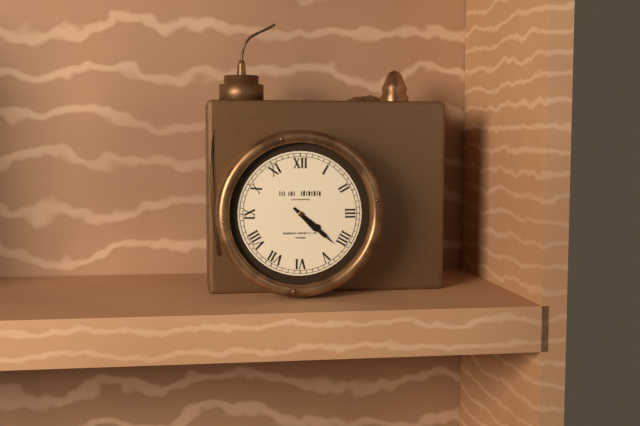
4:22
